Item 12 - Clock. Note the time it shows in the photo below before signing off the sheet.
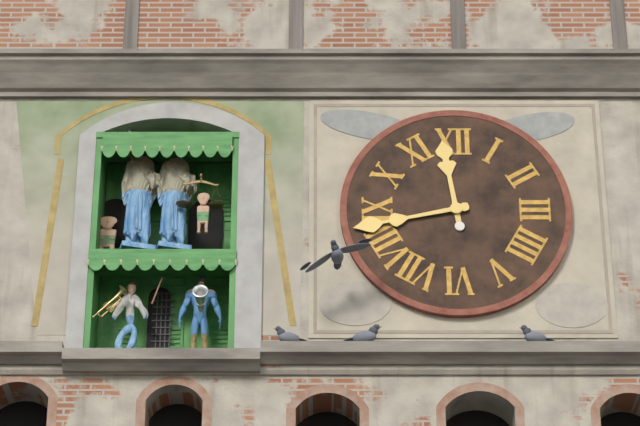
11:43
